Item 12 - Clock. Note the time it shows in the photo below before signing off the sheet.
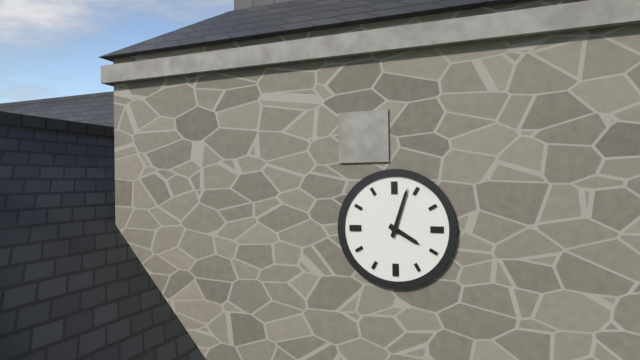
4:03
